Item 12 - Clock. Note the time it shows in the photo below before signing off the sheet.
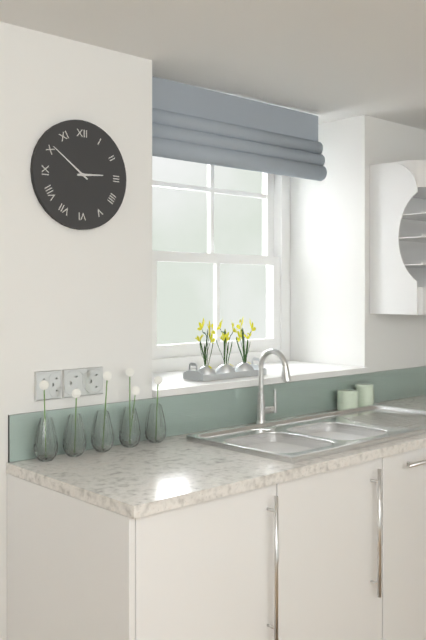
2:51
